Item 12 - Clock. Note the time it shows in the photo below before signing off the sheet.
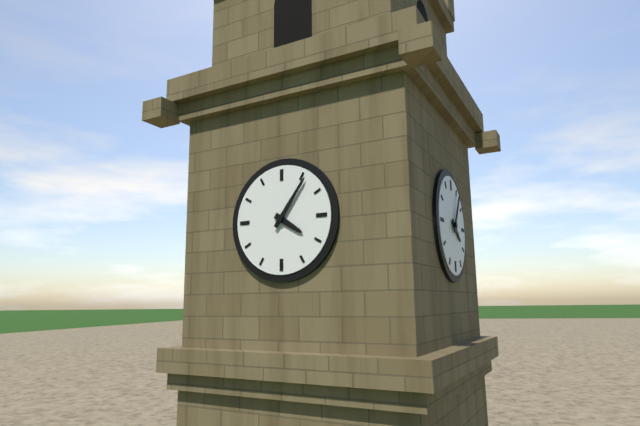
4:06
